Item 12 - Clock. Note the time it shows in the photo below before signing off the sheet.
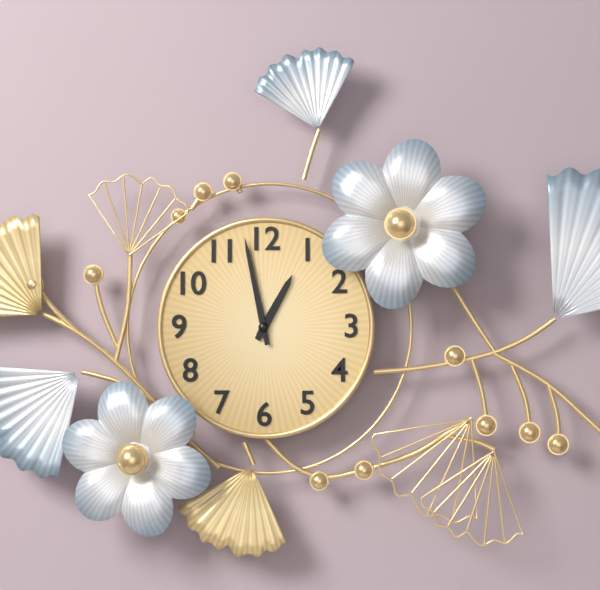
12:58
